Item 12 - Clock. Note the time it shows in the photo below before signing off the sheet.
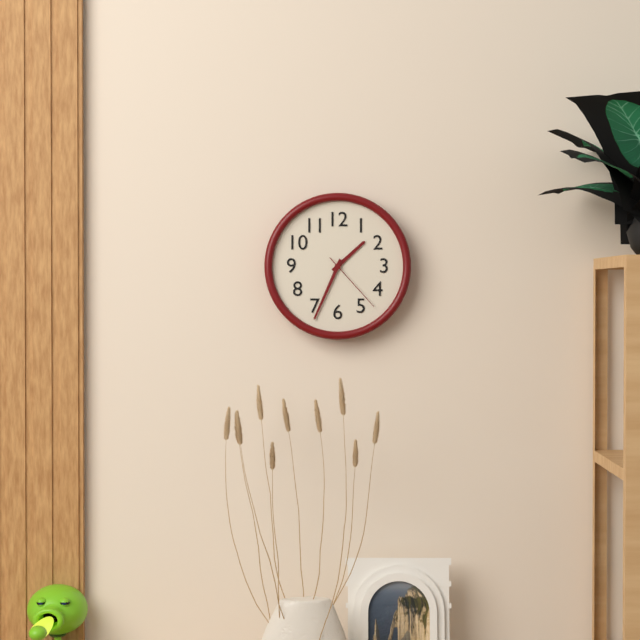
1:34:23
